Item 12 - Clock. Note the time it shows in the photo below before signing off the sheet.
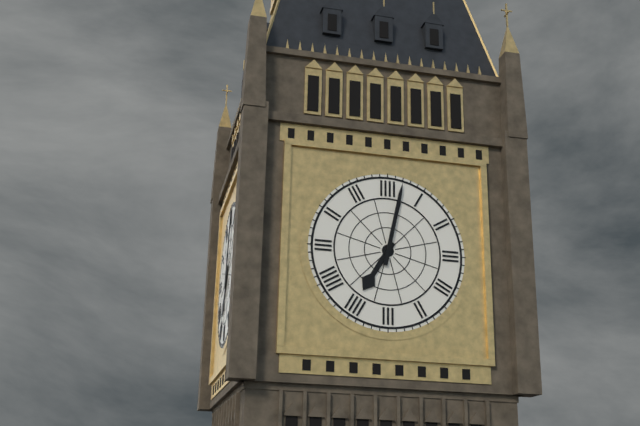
7:02
